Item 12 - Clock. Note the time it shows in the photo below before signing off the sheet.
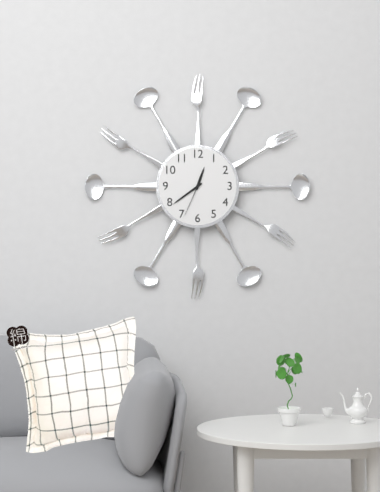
12:39
